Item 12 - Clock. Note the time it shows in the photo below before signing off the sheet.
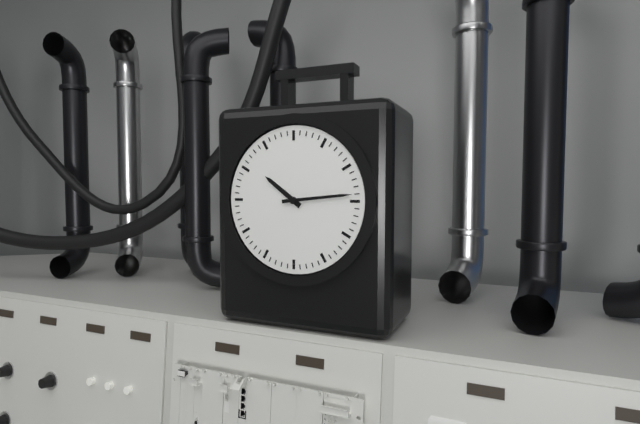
10:14
